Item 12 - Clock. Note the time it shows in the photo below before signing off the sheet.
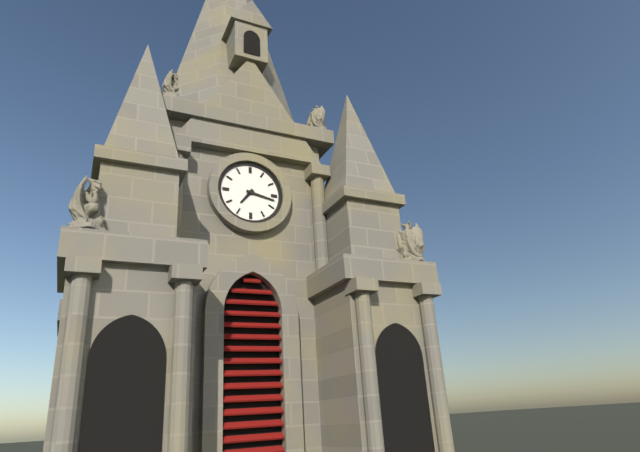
7:17
